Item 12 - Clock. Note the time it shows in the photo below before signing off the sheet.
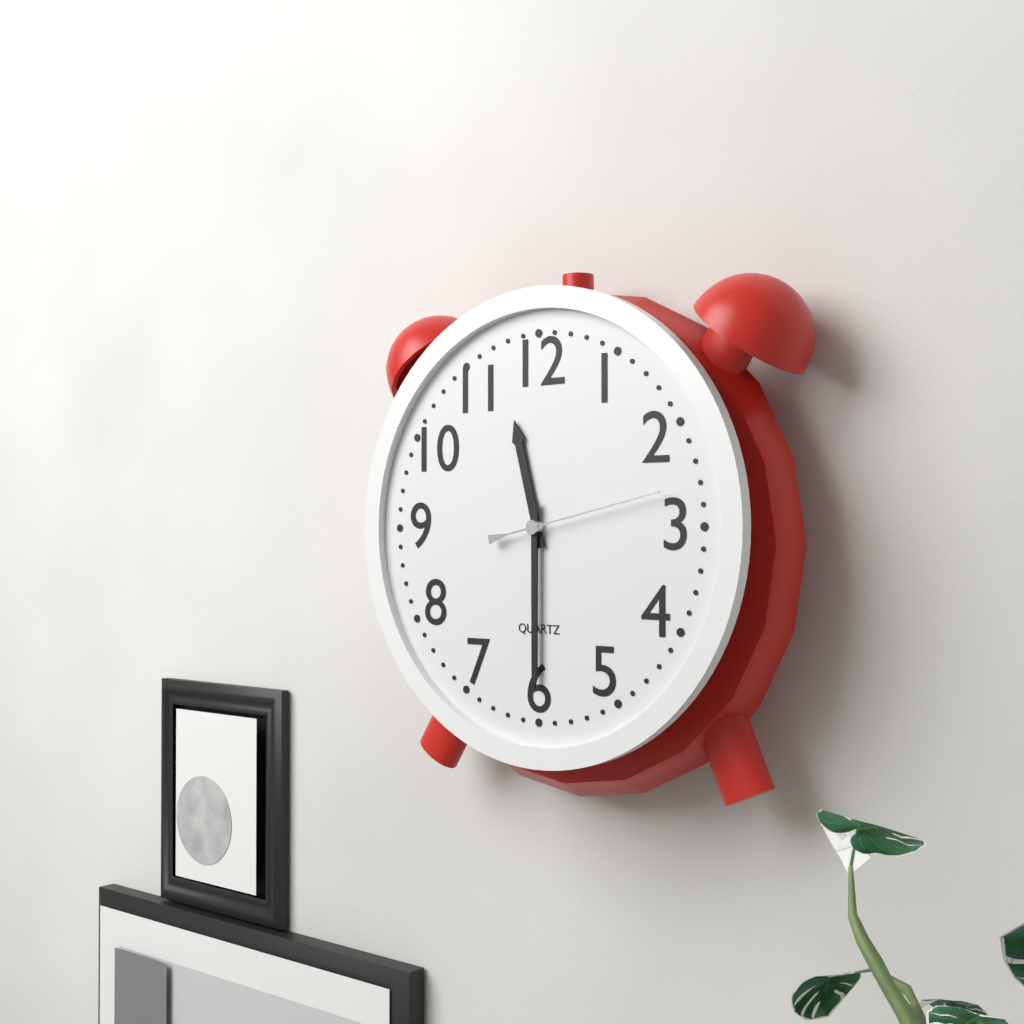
11:30:13
